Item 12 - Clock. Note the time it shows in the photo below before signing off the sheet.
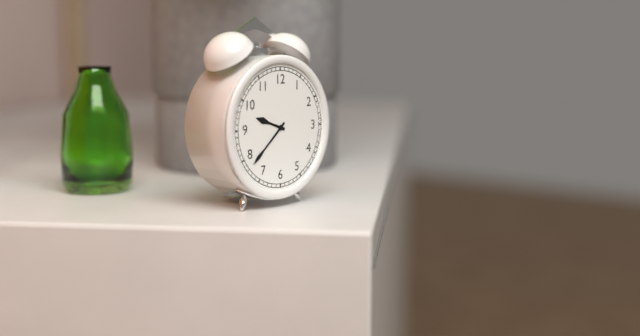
9:38
